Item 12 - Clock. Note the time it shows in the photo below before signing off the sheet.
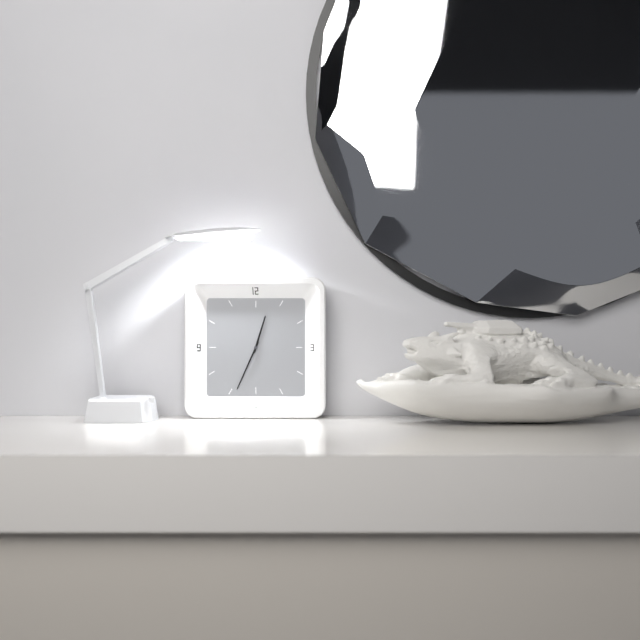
12:34
